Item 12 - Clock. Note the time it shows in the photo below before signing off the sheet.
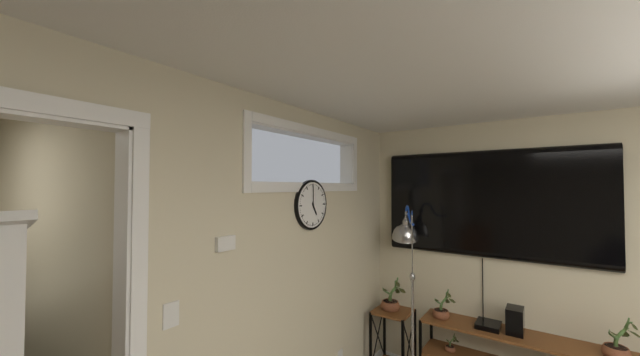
5:00
